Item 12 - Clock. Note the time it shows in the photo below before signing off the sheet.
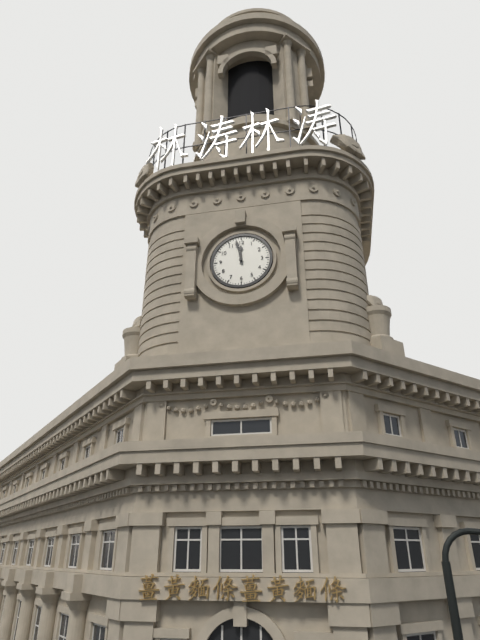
11:58
